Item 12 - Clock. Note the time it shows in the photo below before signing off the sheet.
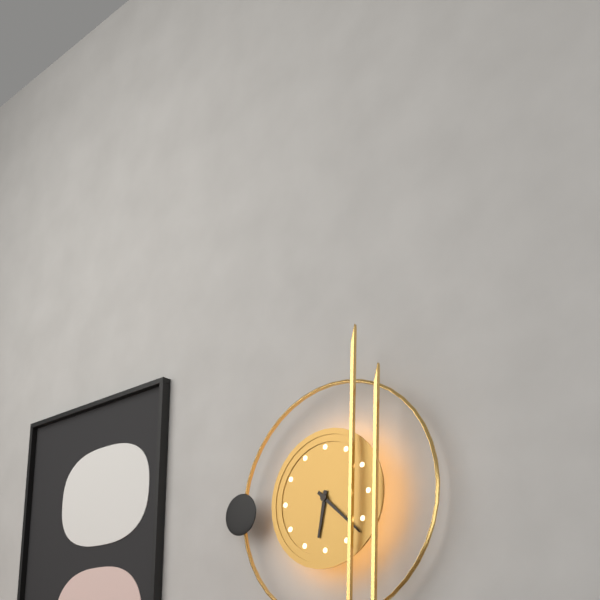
6:22
